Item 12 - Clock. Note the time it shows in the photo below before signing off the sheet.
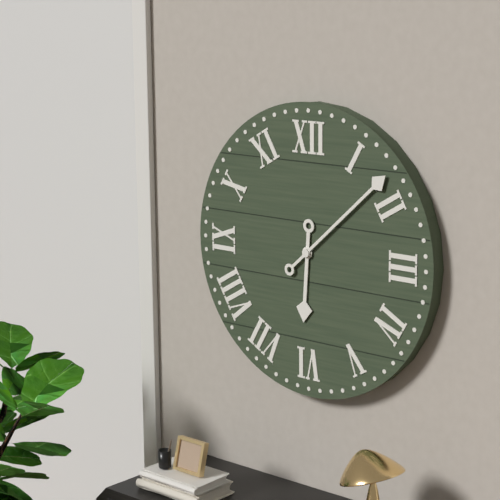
6:08
